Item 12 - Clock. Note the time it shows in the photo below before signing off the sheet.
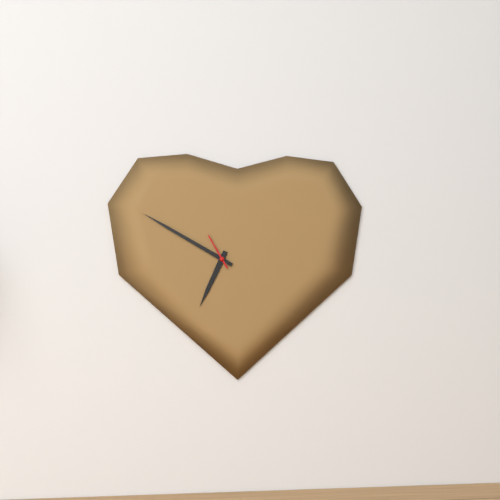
6:50
